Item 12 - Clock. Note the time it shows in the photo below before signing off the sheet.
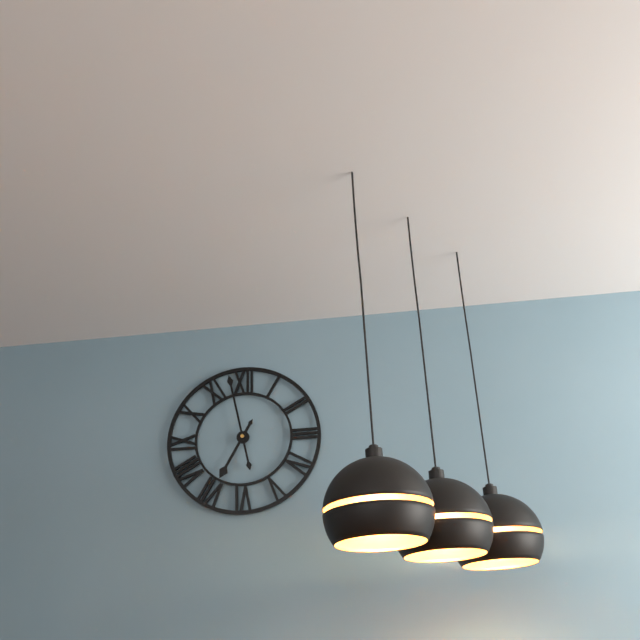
6:58
